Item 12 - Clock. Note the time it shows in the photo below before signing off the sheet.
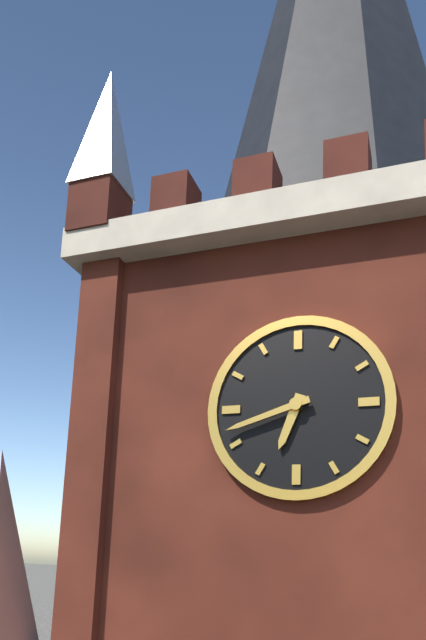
6:42
